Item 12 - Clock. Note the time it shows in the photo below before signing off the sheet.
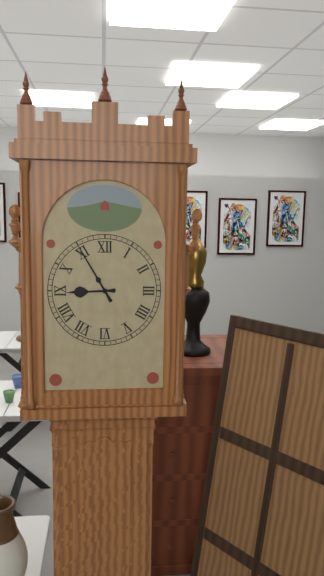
8:55
